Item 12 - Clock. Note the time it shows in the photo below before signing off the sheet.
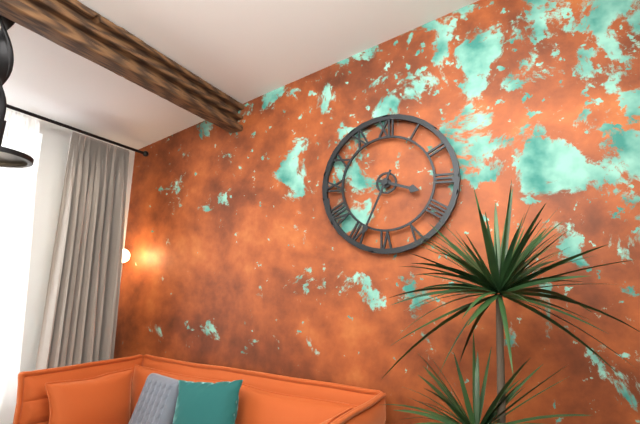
3:34
